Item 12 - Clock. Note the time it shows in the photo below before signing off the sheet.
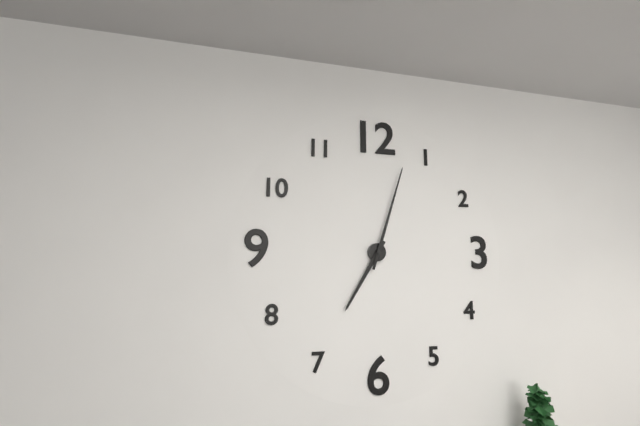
7:03
